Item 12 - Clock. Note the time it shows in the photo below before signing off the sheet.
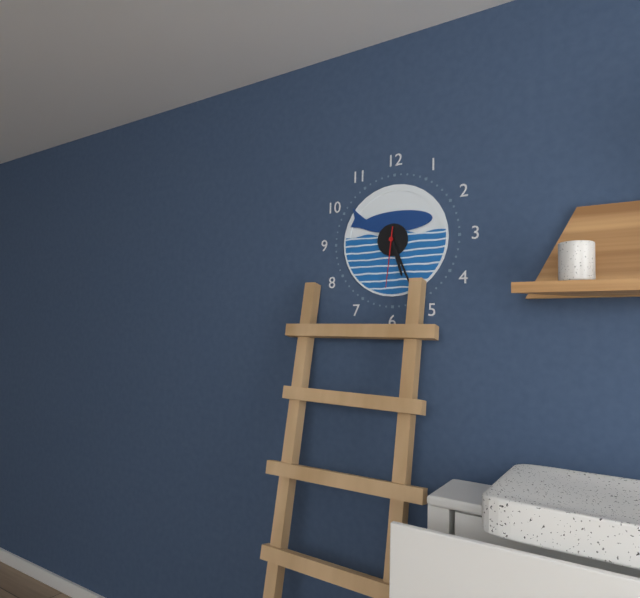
5:26:31
